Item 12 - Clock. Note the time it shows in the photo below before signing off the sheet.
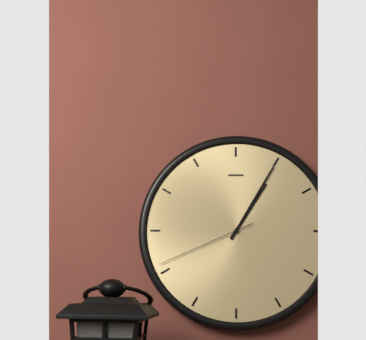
1:05:41
